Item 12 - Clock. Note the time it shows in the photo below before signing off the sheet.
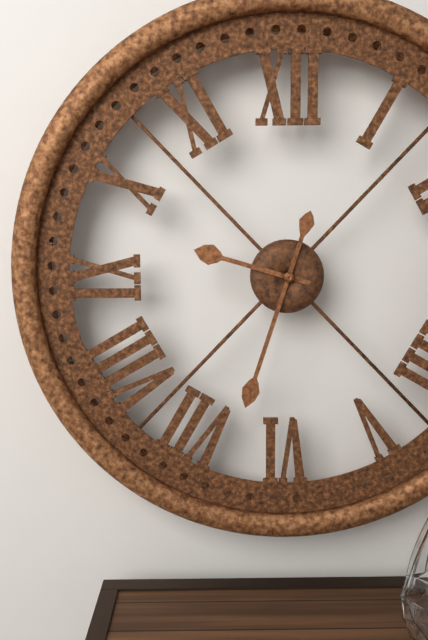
9:33
